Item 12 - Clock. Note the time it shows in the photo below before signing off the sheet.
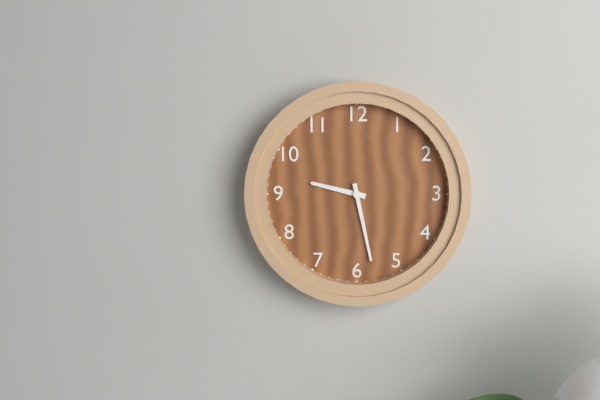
9:28
